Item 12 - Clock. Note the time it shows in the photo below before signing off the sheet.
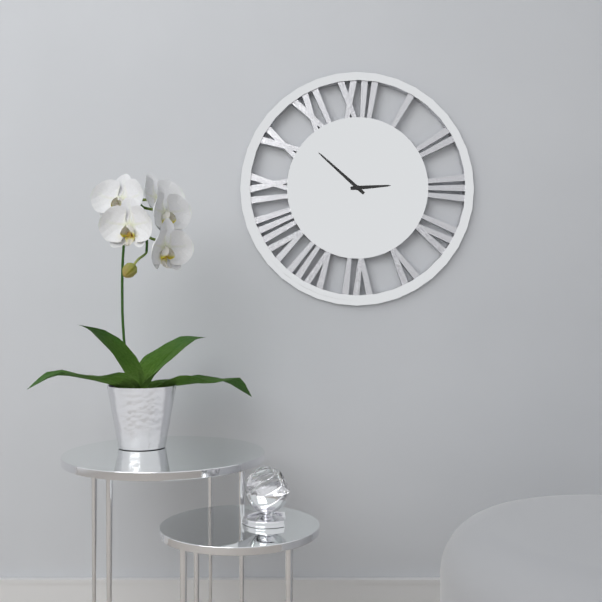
2:52
